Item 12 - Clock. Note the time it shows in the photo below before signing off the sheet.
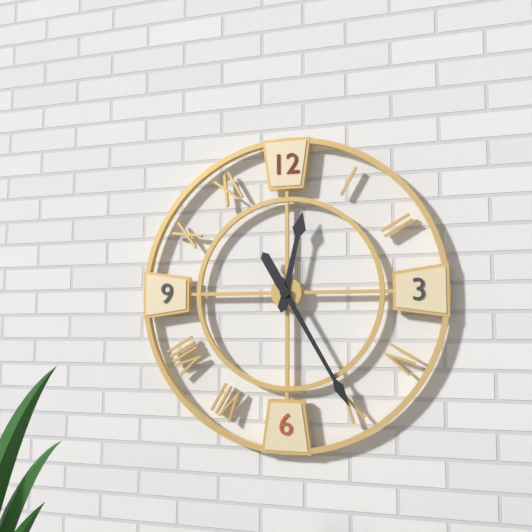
12:25
